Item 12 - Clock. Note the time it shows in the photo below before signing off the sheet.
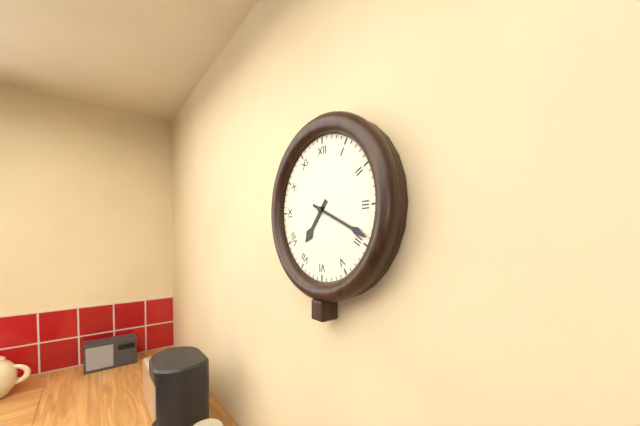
7:19
